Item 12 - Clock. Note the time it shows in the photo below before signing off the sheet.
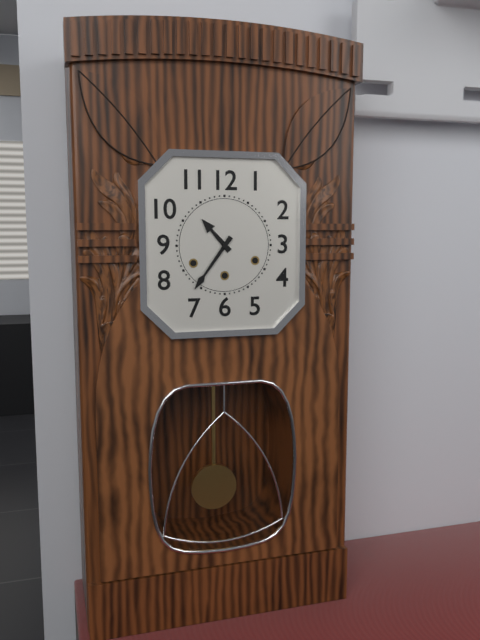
10:36
